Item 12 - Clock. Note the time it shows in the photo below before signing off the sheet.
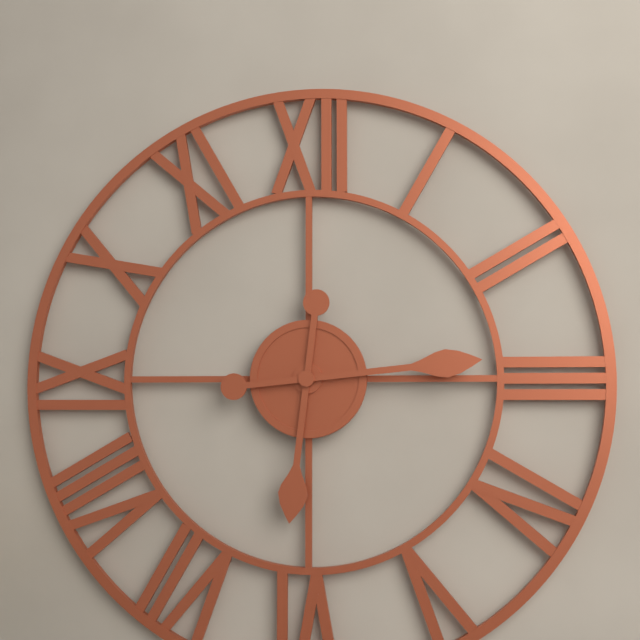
6:14
